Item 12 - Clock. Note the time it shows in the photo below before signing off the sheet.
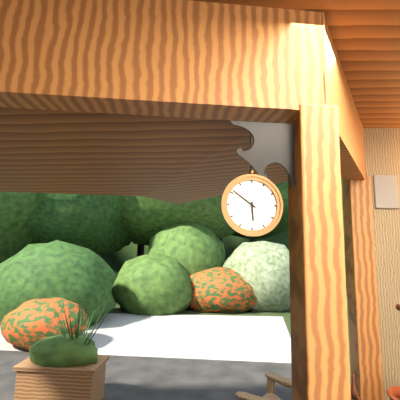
5:51
